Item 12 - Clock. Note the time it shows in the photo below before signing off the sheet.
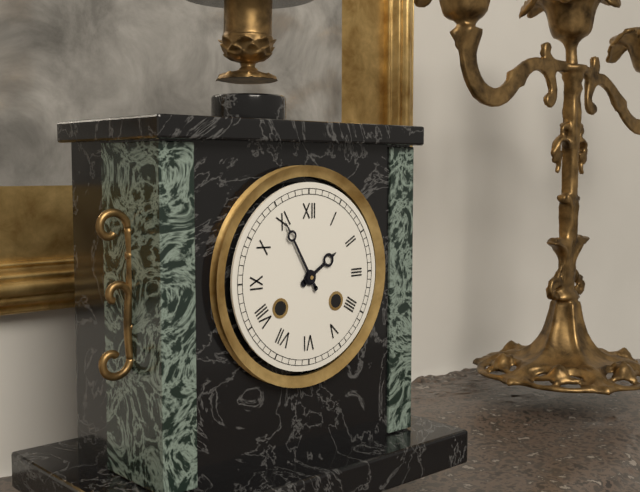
1:55
